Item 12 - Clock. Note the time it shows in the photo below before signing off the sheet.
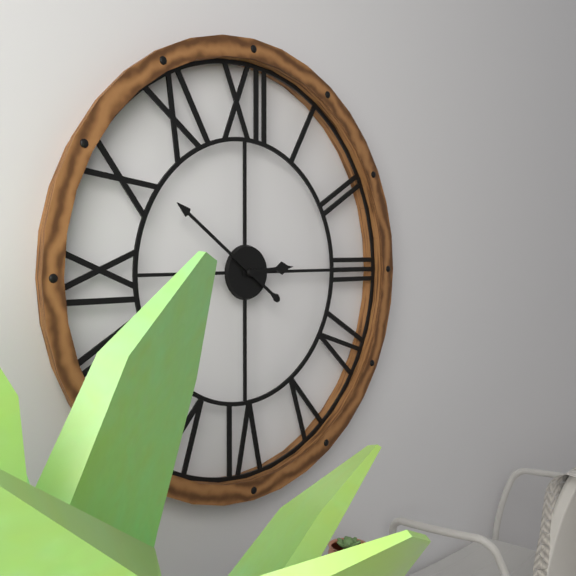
2:51
